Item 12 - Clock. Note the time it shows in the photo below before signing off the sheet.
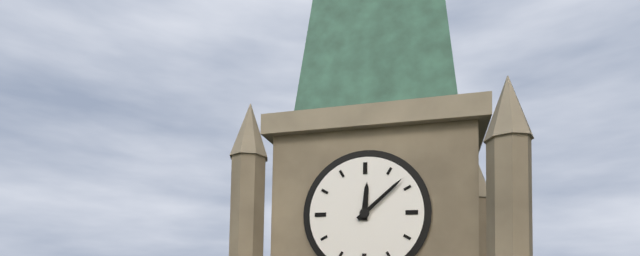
12:08
